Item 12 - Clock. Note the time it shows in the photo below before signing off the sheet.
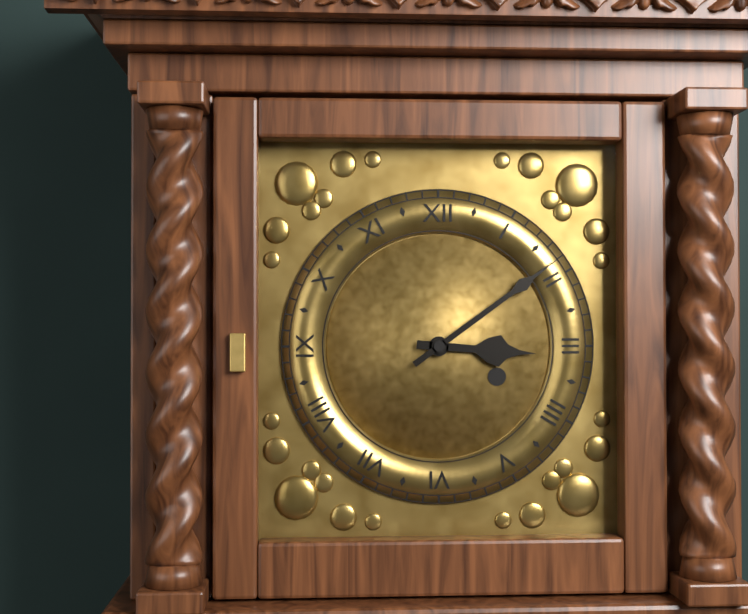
3:09
